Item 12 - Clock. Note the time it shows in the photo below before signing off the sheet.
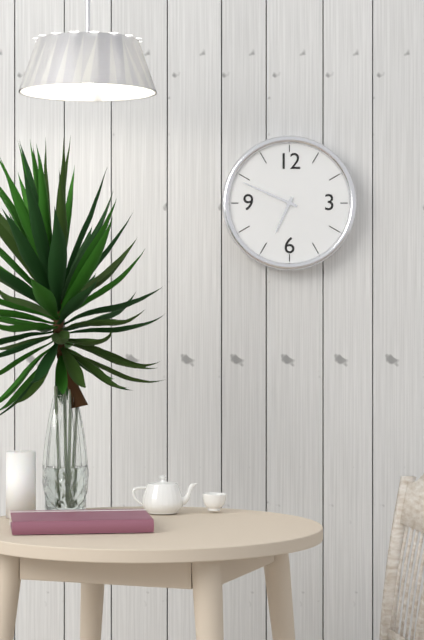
6:49
